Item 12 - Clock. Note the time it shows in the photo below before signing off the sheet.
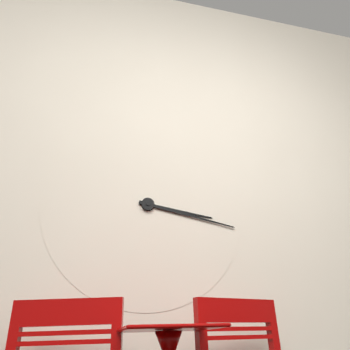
3:17
